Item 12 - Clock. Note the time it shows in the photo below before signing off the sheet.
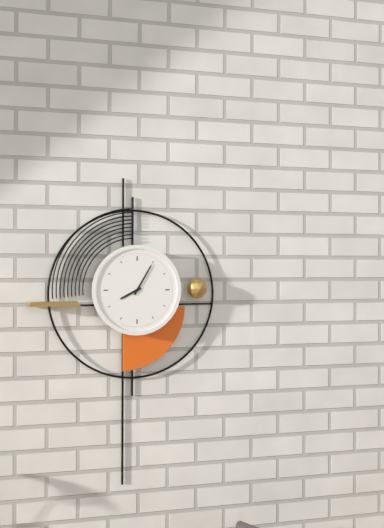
8:05
